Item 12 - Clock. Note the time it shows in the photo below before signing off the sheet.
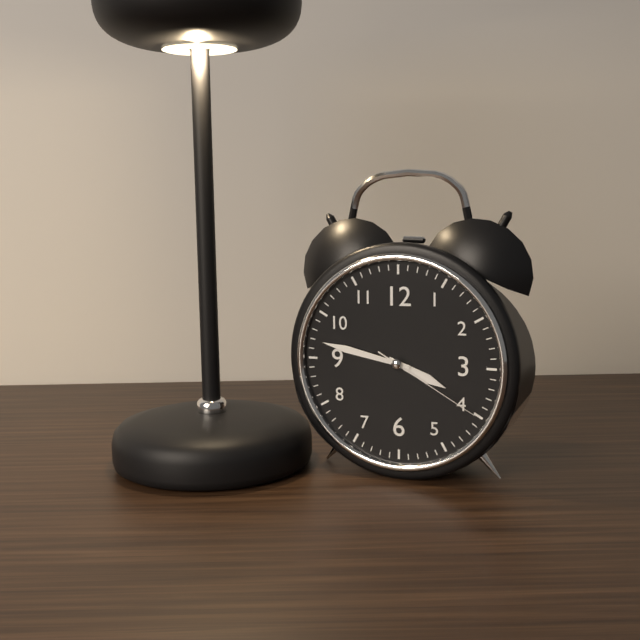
3:47:20
